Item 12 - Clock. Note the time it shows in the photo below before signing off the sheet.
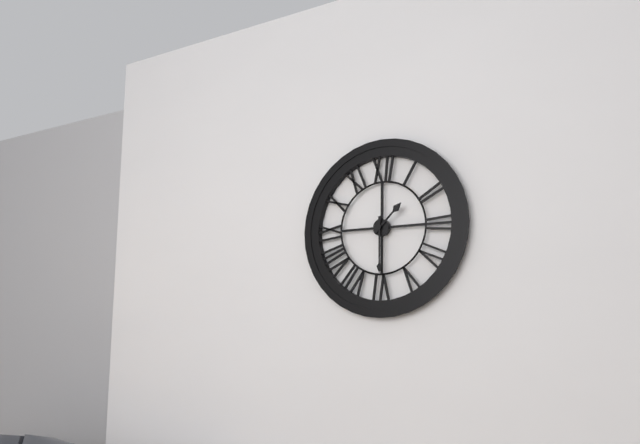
1:30
